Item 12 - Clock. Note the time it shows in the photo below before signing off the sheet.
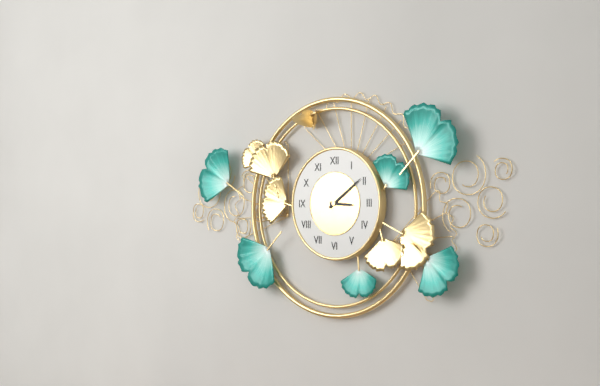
3:09
